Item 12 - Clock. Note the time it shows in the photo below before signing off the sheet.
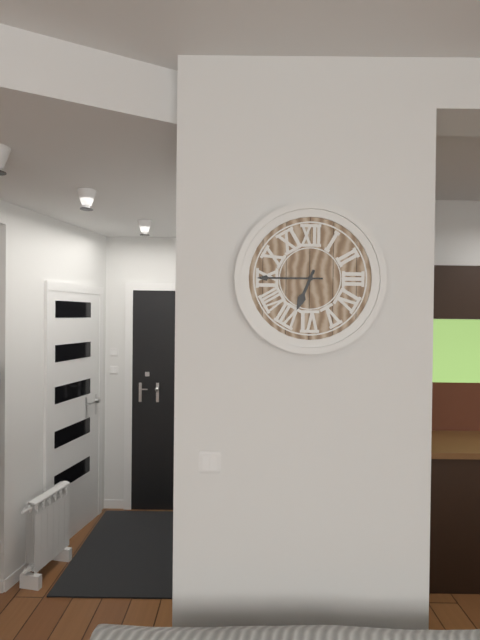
6:45
